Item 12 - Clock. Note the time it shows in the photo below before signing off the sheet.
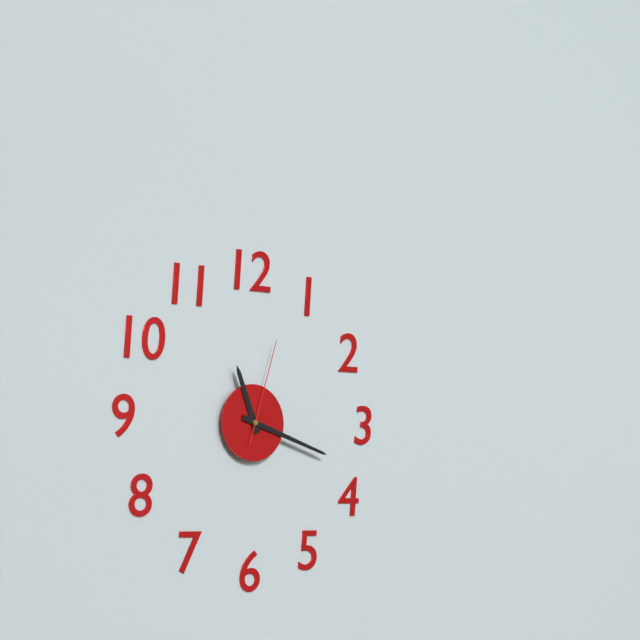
11:18:03
